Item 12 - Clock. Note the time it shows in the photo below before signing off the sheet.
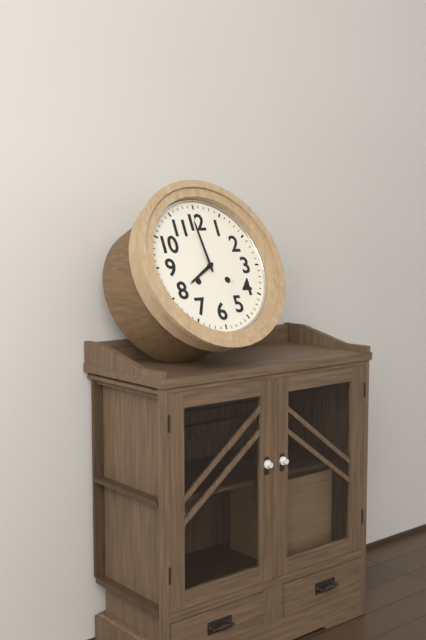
7:59
